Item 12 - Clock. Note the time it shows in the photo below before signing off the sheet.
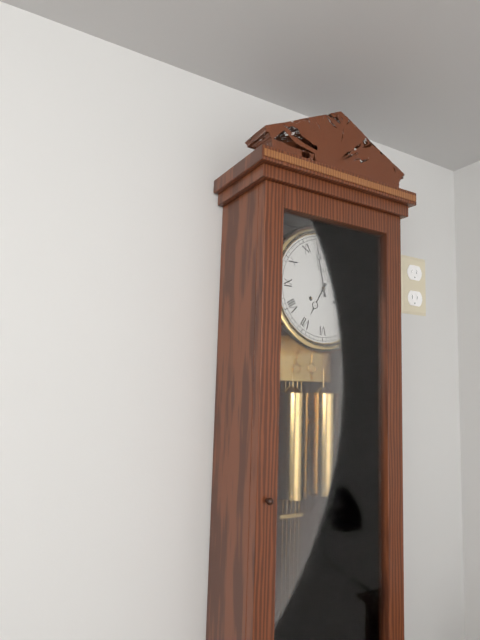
6:58
